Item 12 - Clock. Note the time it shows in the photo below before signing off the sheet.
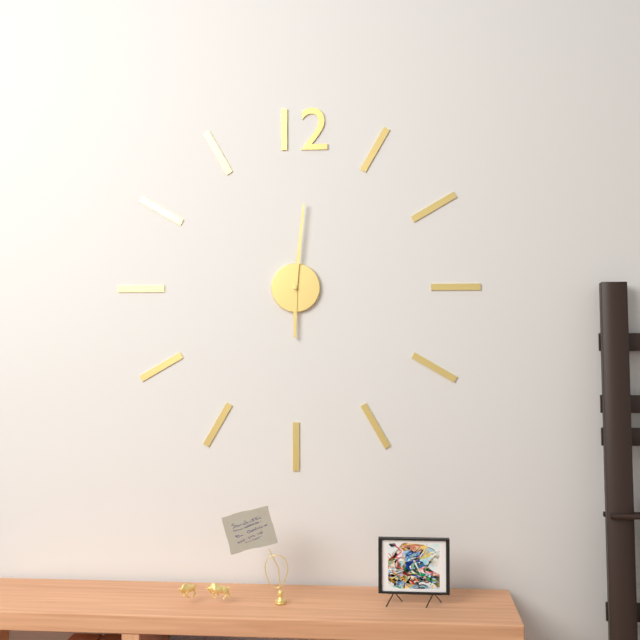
6:01
